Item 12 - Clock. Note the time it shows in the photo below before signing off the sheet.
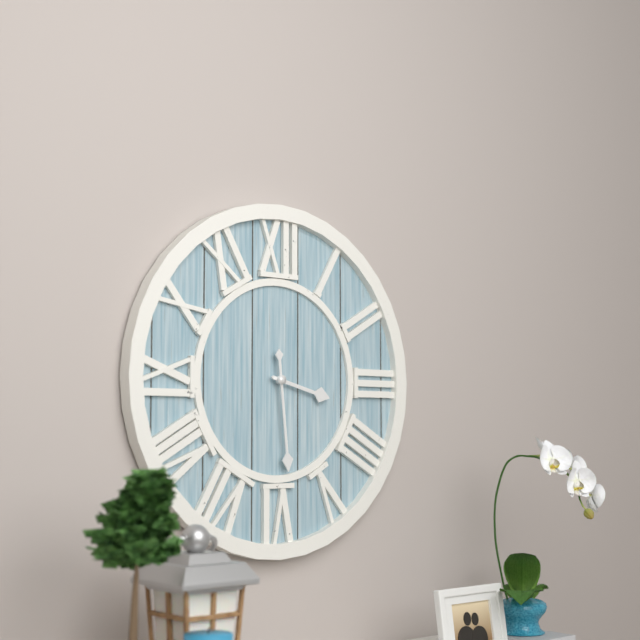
3:29
